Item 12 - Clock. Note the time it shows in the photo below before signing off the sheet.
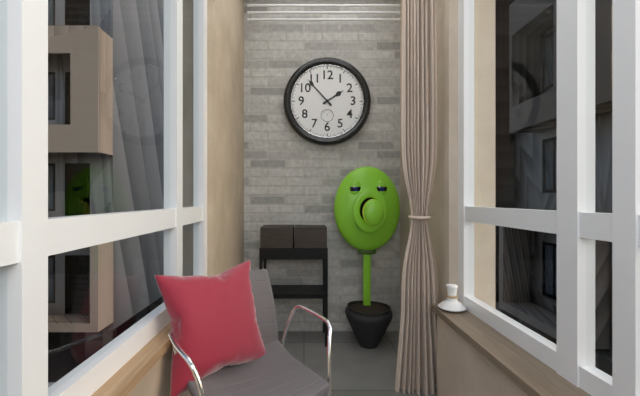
1:53
